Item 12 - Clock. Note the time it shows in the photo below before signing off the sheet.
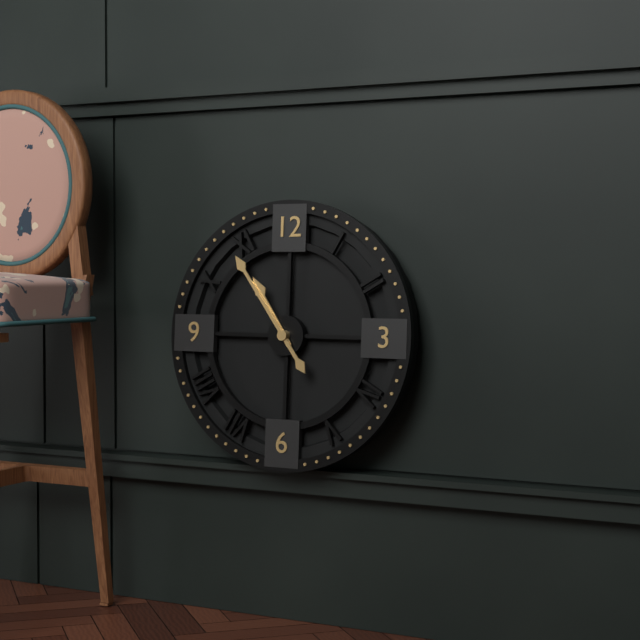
10:54
